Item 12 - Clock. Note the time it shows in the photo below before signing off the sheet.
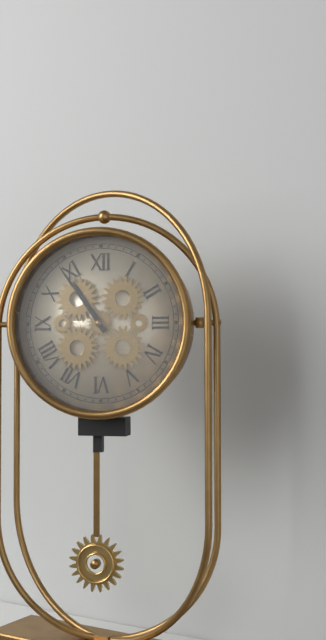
10:54
